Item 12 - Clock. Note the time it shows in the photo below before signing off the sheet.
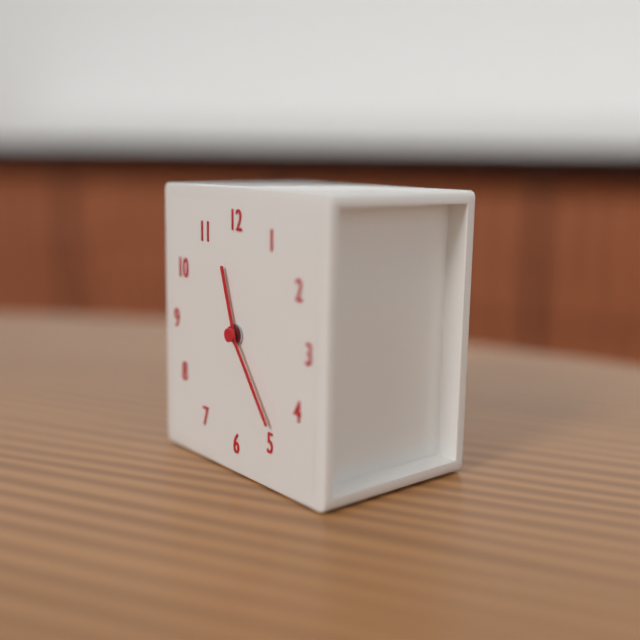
11:24
